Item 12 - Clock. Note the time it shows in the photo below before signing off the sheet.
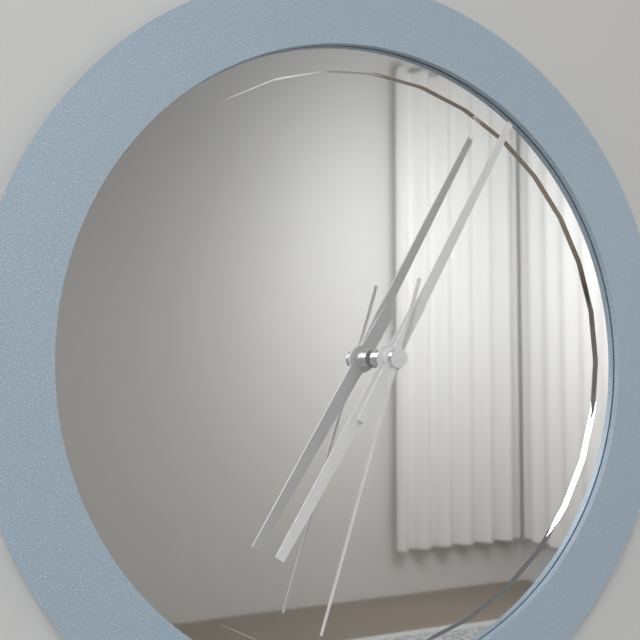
7:05:33
